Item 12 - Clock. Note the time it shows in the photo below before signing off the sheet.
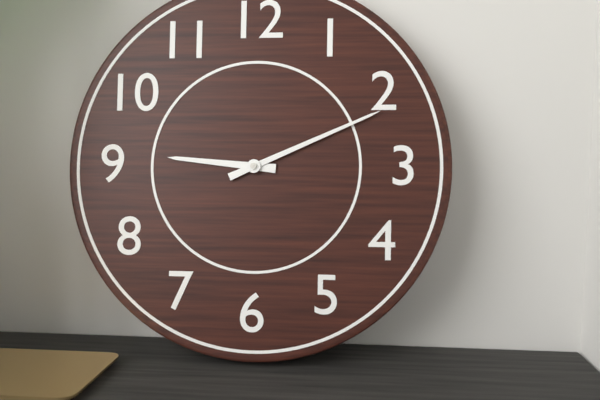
9:11
